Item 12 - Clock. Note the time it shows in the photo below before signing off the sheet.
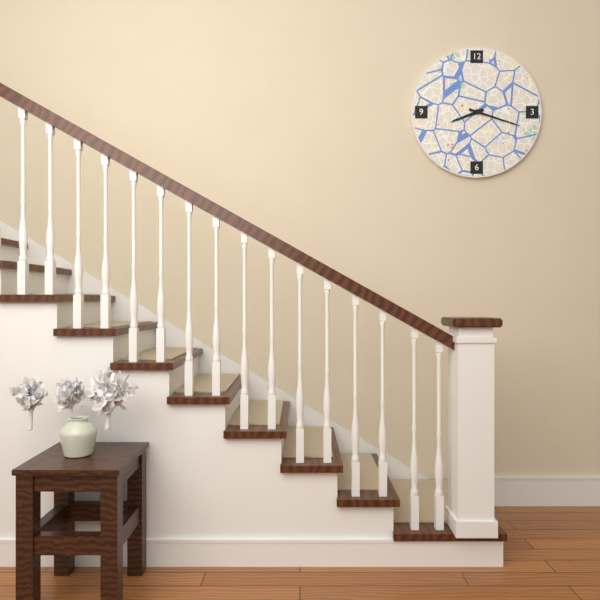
8:18
